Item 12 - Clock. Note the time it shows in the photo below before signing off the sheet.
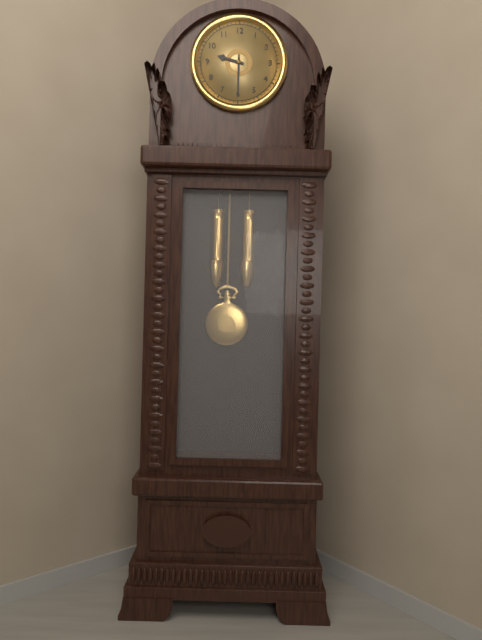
9:30
